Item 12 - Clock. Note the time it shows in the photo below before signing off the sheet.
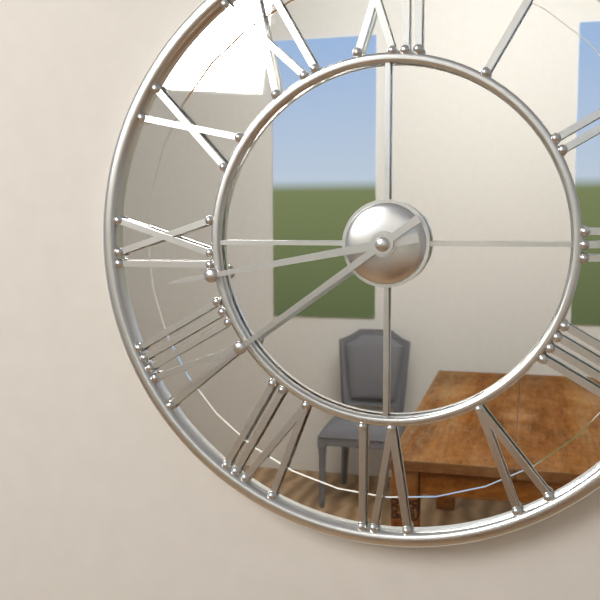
8:39
